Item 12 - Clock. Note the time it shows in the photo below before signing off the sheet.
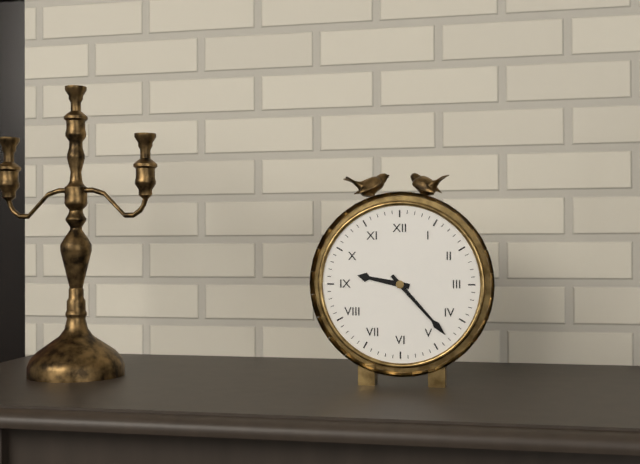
9:23
